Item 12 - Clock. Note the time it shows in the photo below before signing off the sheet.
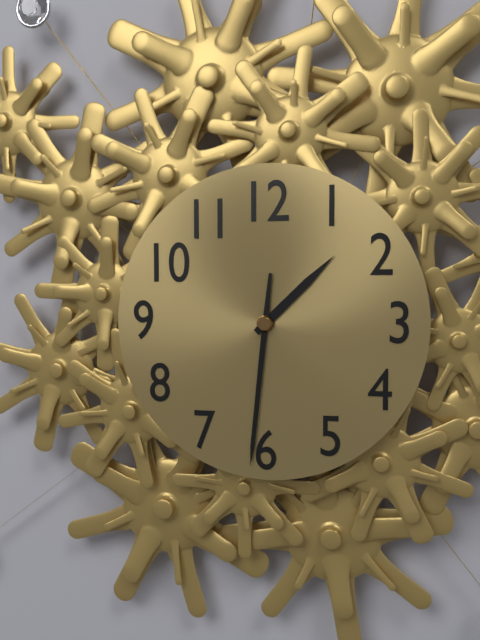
1:31
